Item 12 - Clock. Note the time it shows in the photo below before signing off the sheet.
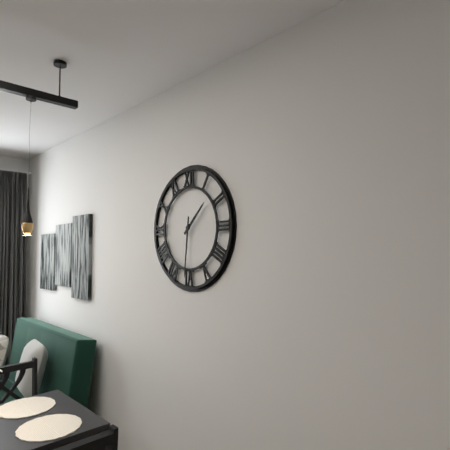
1:31
